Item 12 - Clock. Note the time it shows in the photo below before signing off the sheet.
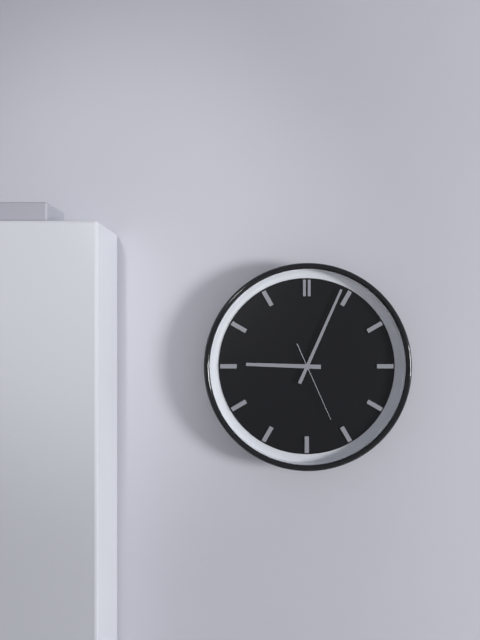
9:04:26
